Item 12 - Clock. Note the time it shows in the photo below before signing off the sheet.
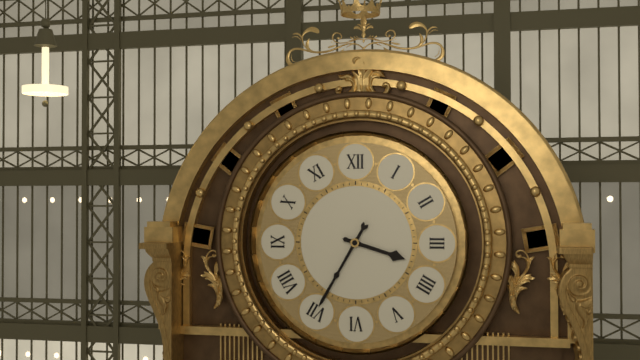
3:35
